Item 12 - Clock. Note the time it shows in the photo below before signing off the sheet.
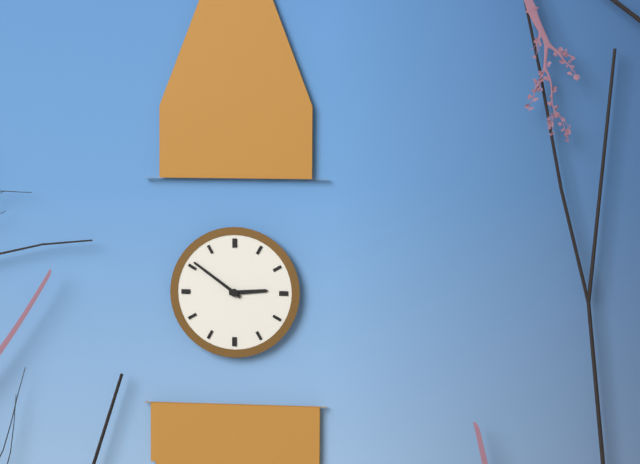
2:51
